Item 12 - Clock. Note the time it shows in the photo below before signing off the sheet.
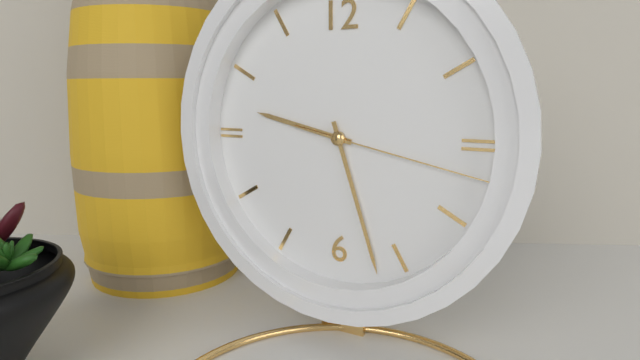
9:27:17
